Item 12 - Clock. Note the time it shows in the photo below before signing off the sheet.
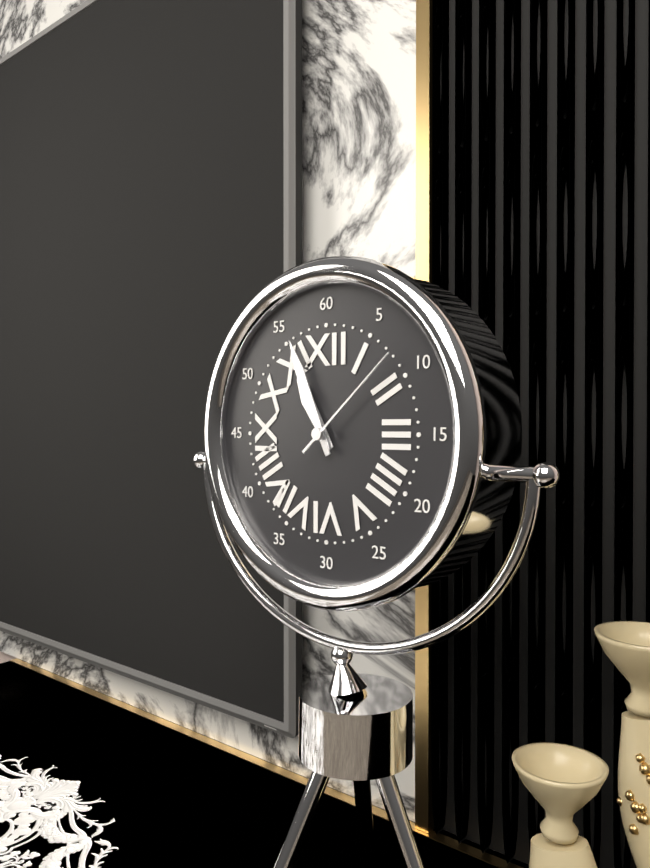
10:56:08
